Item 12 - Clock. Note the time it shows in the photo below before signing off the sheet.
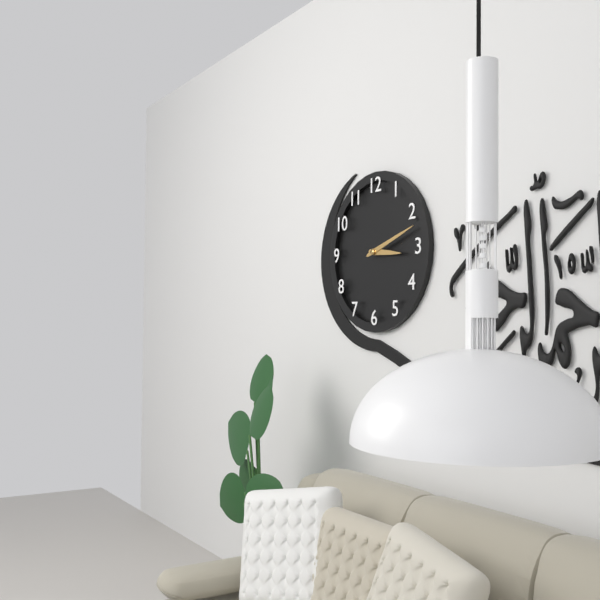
3:12
